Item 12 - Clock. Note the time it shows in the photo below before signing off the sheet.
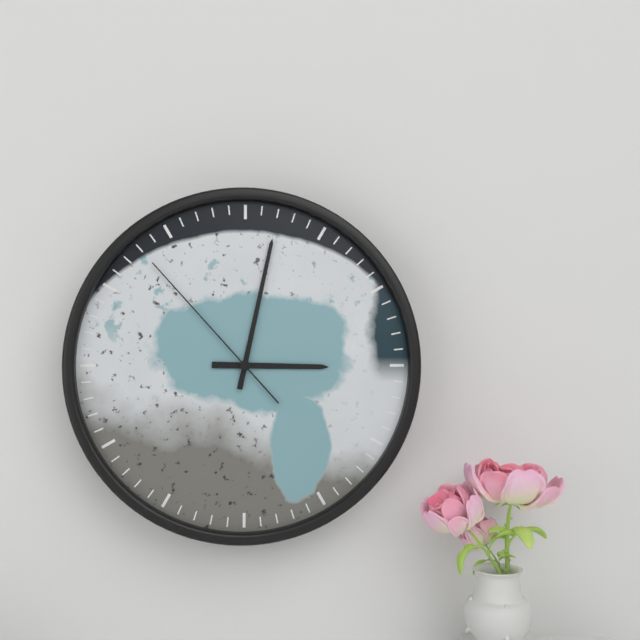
3:02:53
